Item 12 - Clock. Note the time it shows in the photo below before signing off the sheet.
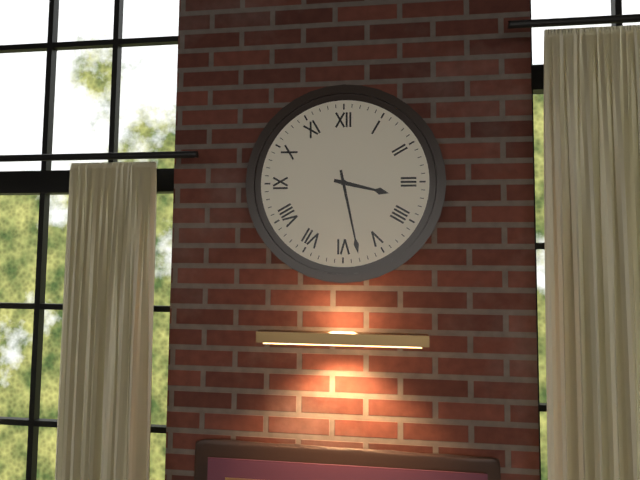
3:28
